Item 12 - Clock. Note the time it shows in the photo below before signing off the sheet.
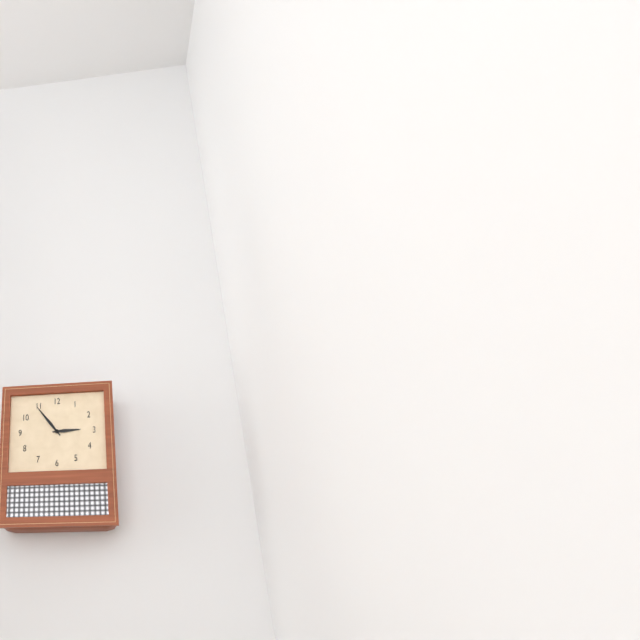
2:54
